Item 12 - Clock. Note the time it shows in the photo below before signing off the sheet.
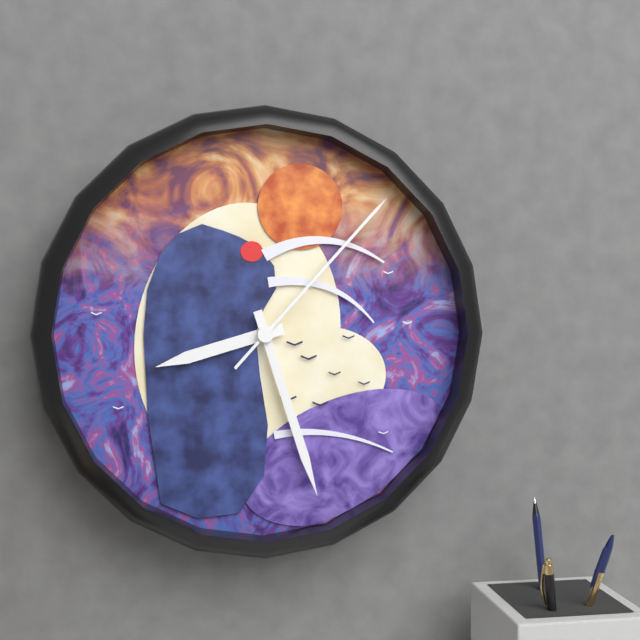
8:27:07
